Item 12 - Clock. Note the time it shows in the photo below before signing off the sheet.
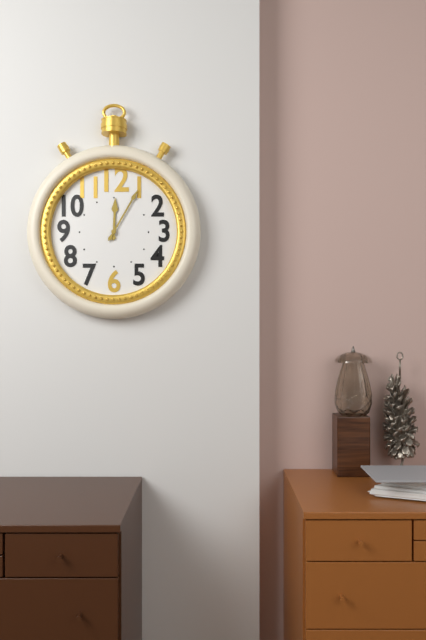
12:05
